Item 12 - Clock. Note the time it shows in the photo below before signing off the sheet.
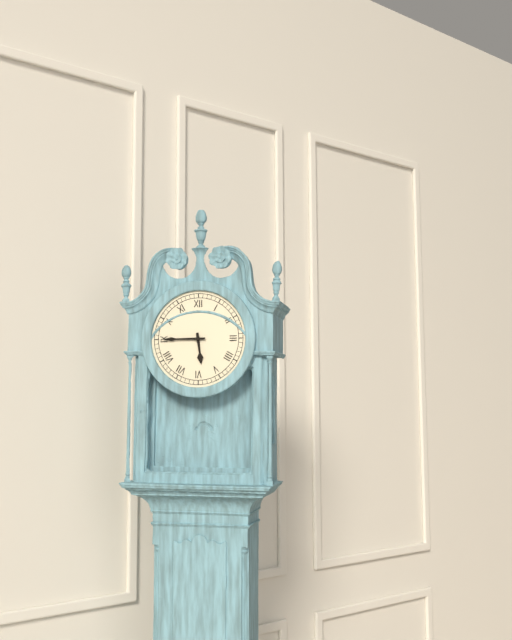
5:45
